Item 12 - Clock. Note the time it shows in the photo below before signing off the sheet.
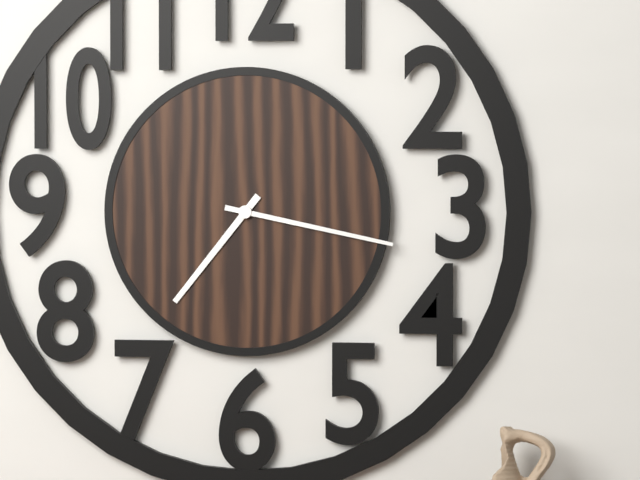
7:17
